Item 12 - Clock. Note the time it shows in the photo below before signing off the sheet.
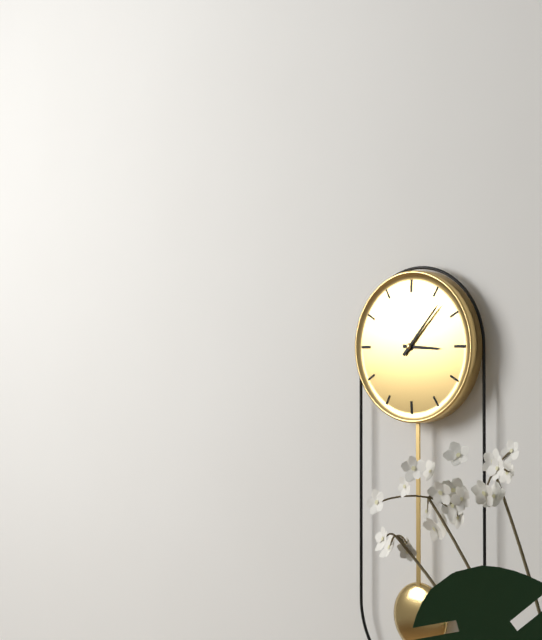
3:07
